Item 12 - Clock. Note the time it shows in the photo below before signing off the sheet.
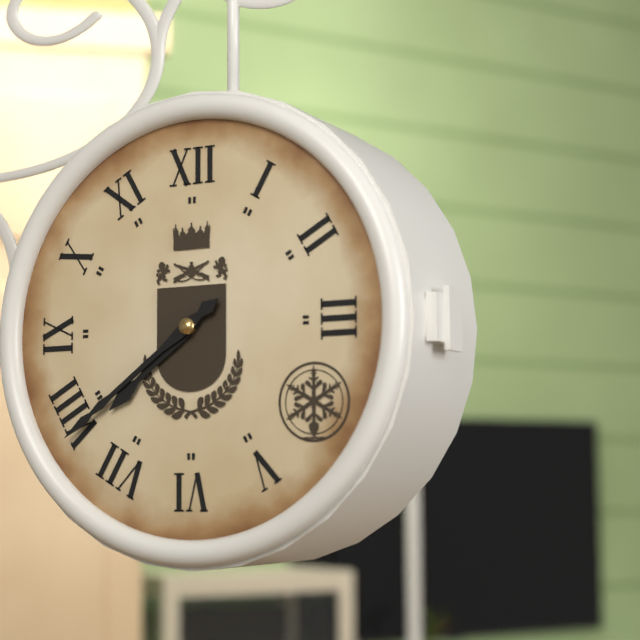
7:39
